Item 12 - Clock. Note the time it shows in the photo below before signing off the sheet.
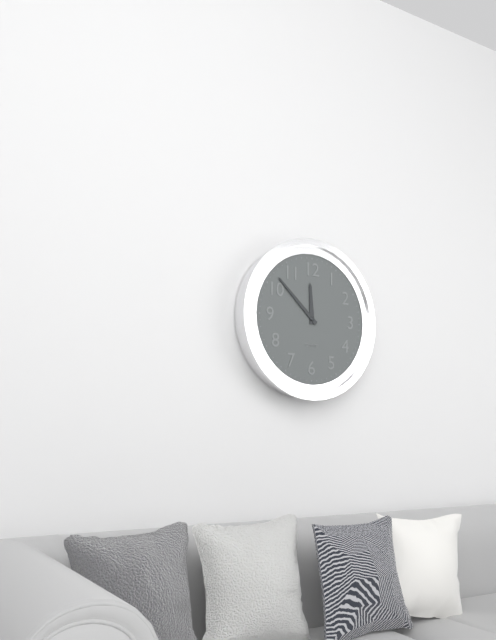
11:52
